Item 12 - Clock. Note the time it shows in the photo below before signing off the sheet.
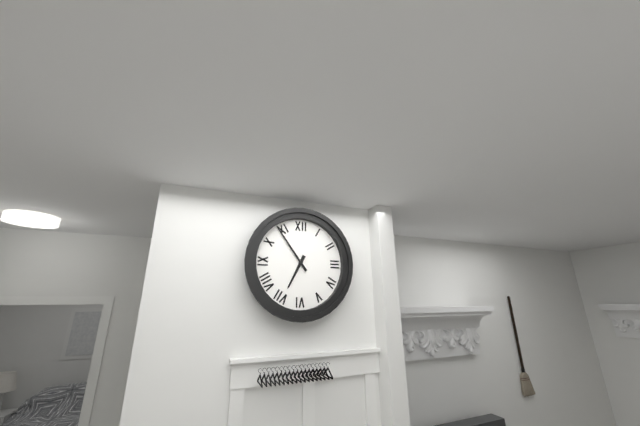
6:54
